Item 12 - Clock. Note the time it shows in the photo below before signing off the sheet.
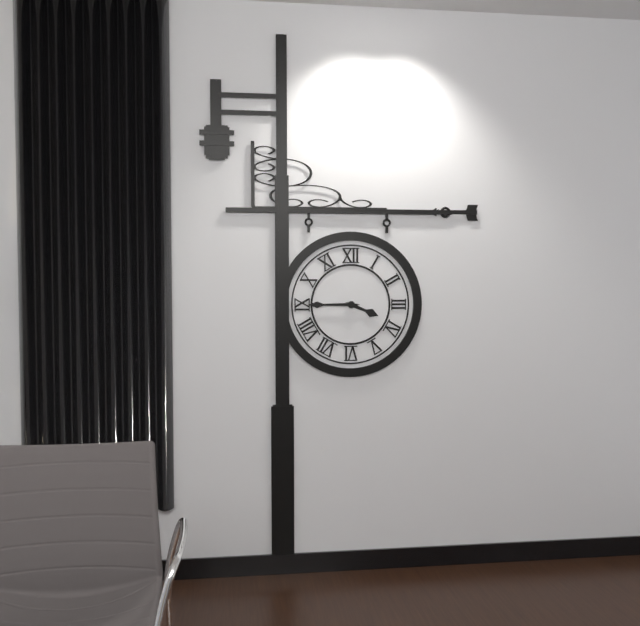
3:45
